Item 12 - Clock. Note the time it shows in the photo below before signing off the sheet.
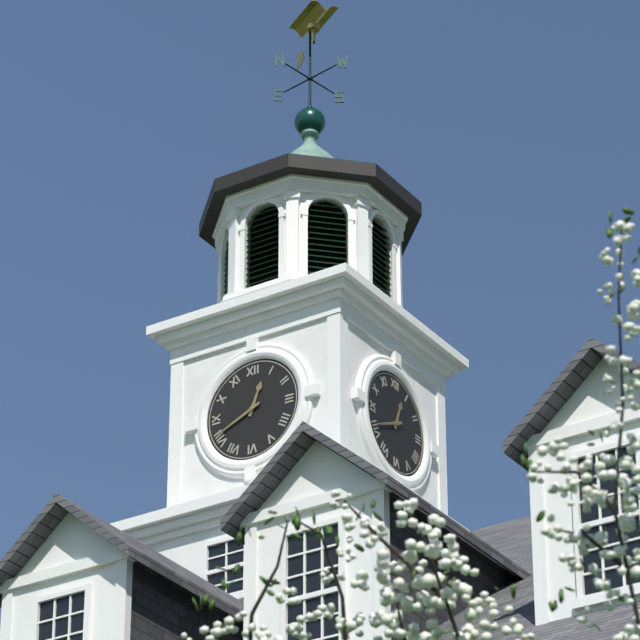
12:41
